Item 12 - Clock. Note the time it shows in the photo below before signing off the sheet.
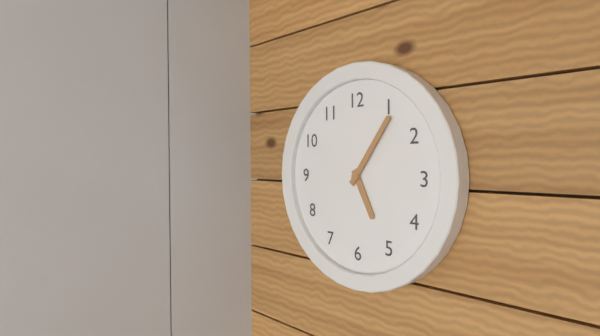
5:06
